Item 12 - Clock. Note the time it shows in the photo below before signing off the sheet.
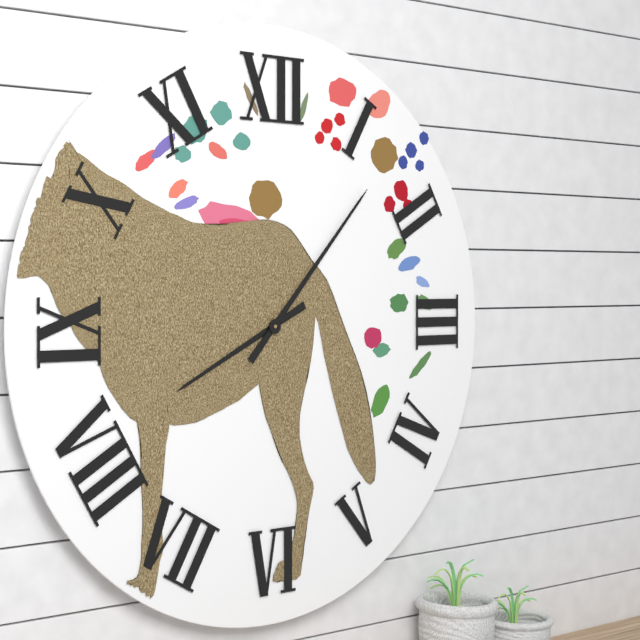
8:07
